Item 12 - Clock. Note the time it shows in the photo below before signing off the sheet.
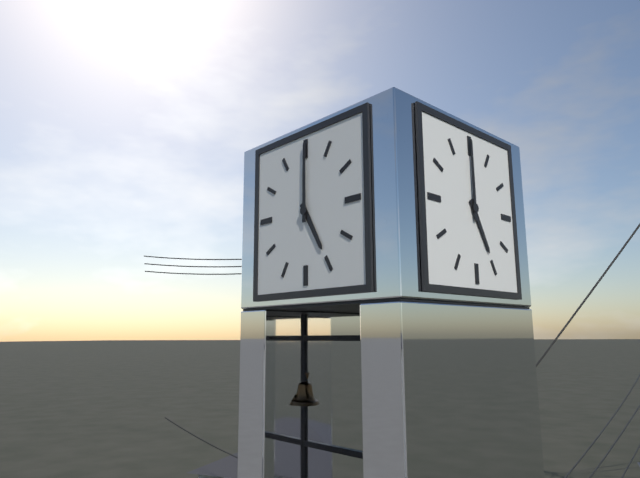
5:00
